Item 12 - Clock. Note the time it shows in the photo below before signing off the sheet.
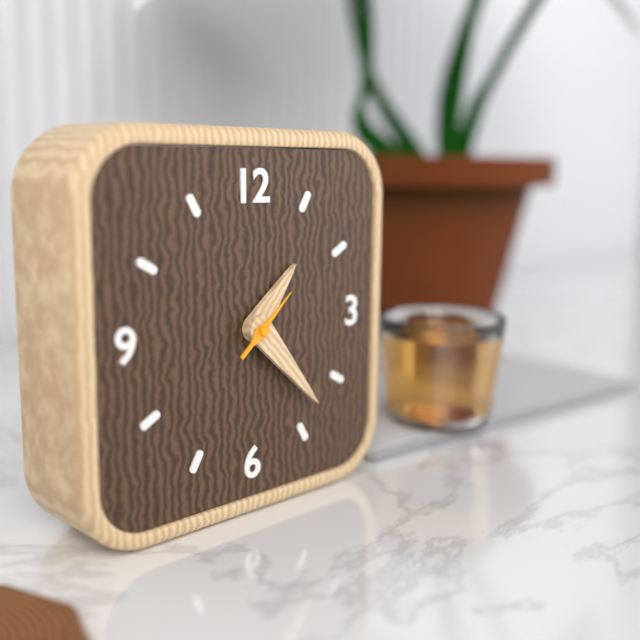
1:23:08
